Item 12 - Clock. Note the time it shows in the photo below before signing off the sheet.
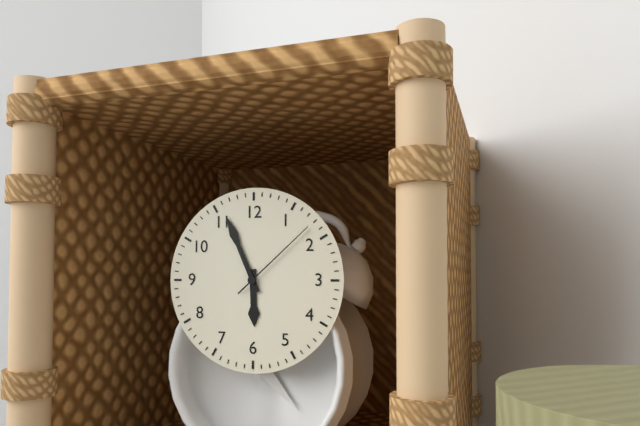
5:56:08
